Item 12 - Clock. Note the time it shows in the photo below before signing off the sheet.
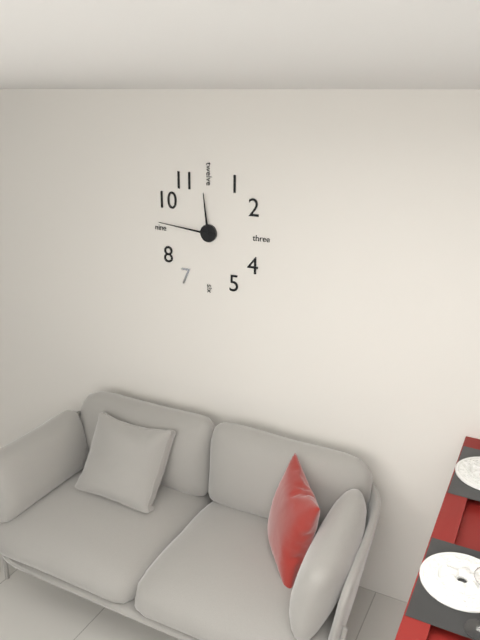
11:46
